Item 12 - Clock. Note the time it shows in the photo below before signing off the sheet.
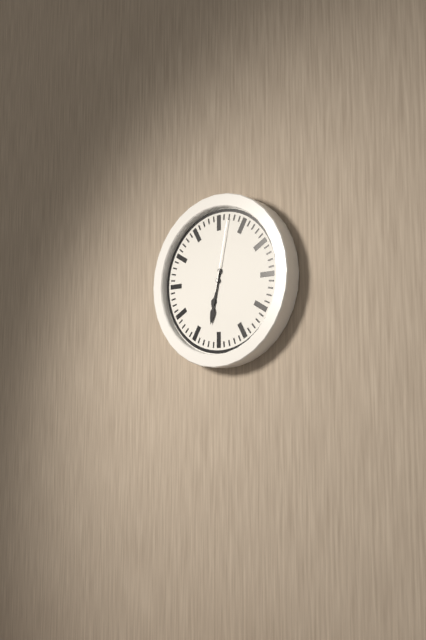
6:32:02
